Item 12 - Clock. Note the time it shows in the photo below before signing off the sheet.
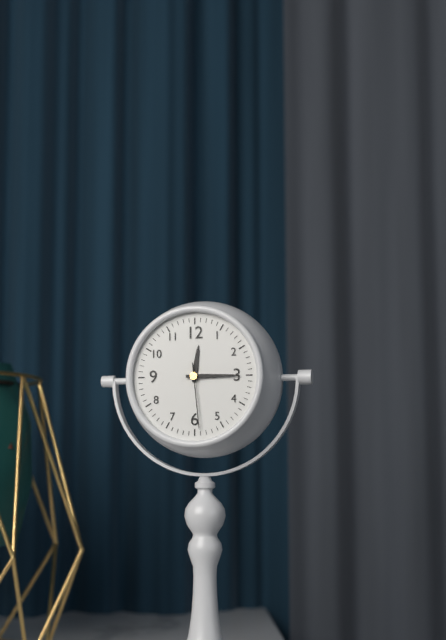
12:15:29
